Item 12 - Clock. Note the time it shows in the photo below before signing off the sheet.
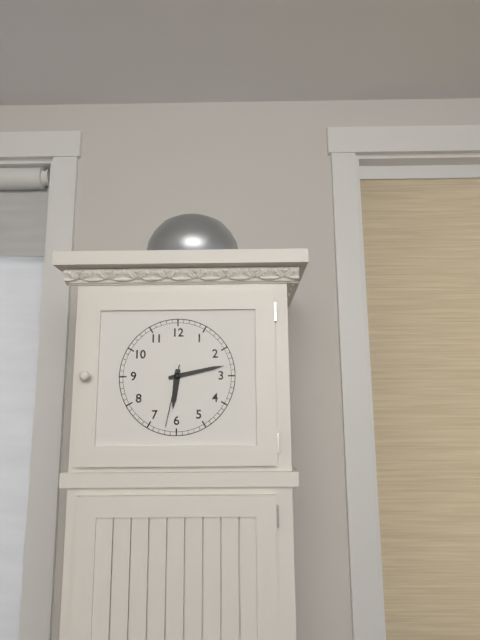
6:13:32
